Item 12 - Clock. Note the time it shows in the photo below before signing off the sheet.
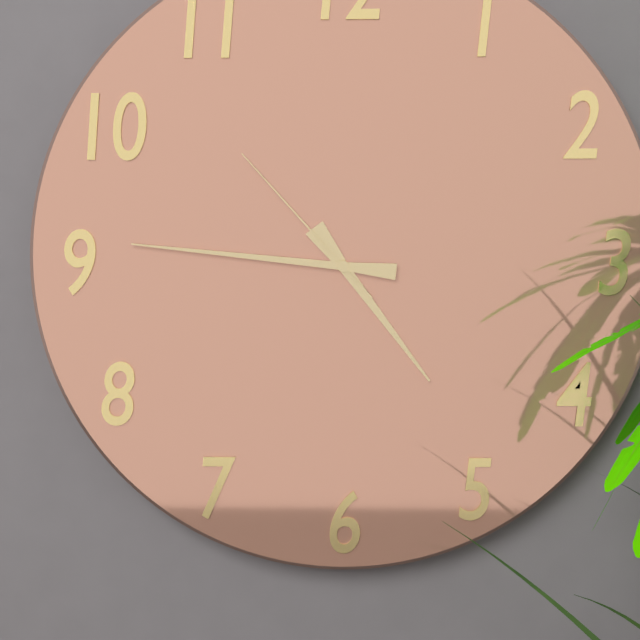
4:46:53
